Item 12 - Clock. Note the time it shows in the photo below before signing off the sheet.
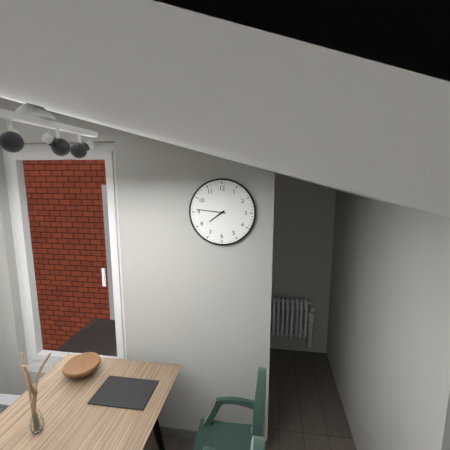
7:46
